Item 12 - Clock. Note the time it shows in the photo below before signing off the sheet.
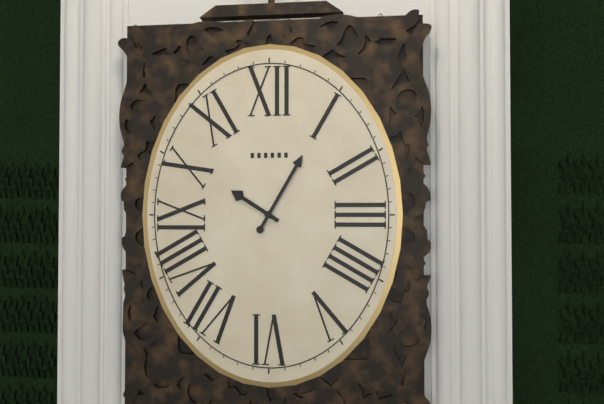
10:05
